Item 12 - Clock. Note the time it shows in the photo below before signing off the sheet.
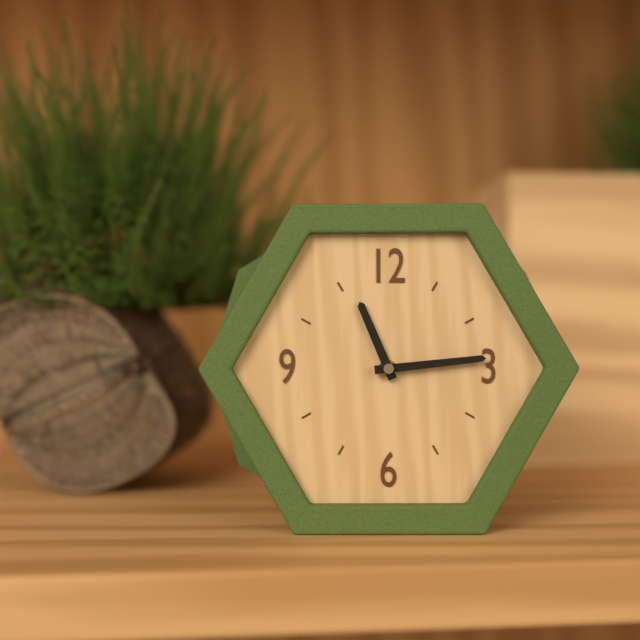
11:14
